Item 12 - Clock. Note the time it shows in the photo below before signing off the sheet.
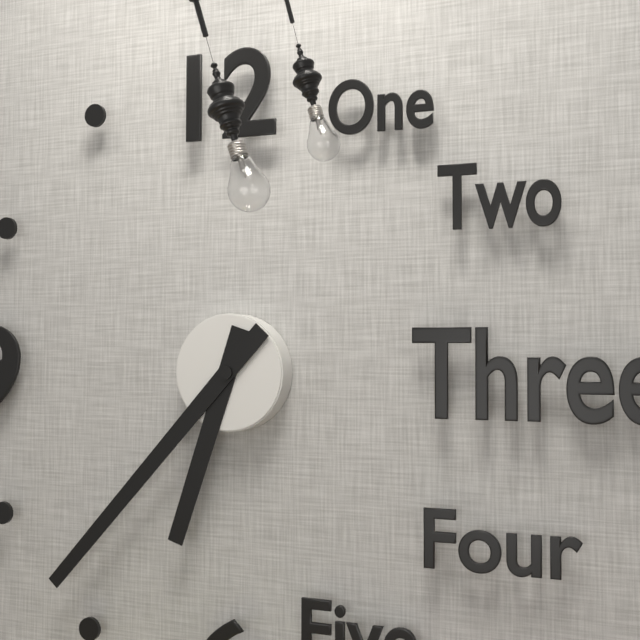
6:37
